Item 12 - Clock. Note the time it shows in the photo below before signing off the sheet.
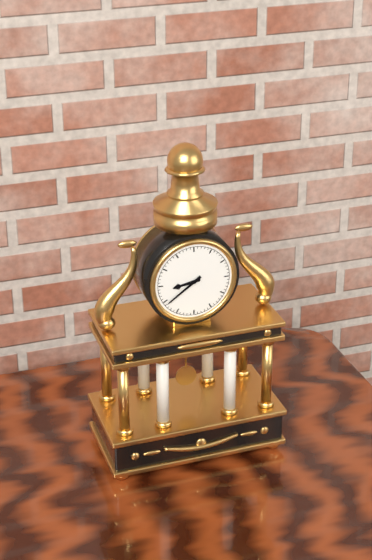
8:39
